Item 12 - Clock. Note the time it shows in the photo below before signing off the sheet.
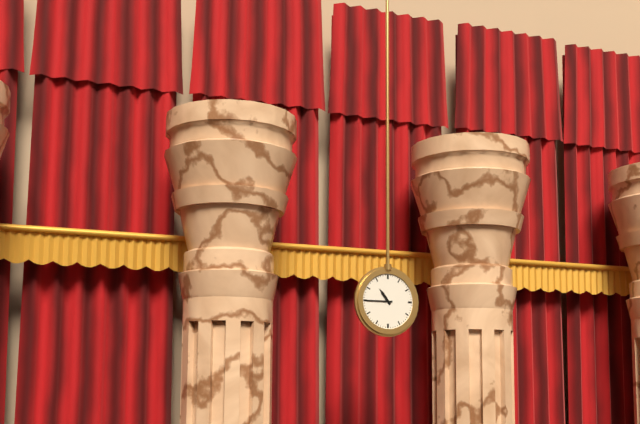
10:45
